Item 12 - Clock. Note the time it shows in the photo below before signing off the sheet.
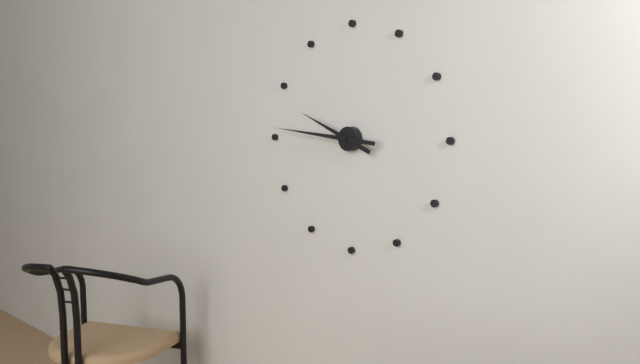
9:46
